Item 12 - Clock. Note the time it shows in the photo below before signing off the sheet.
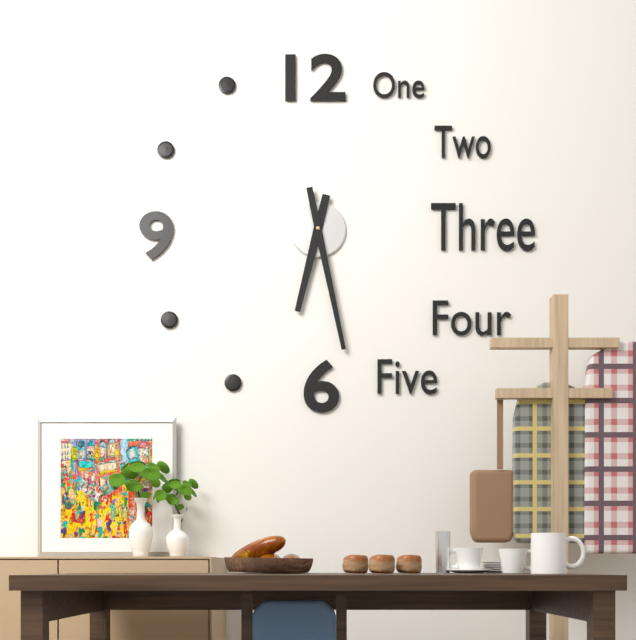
6:28
